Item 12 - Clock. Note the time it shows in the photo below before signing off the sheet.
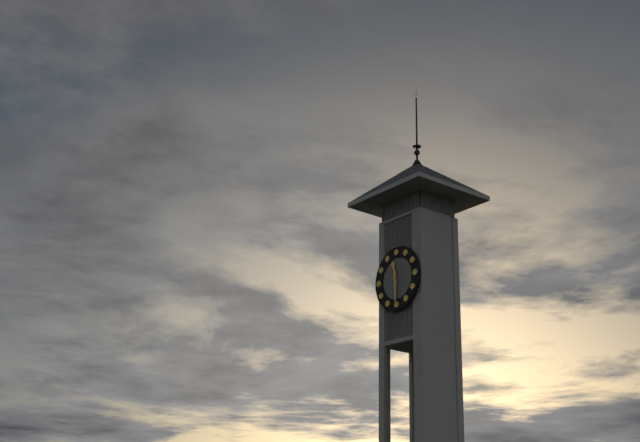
11:30
